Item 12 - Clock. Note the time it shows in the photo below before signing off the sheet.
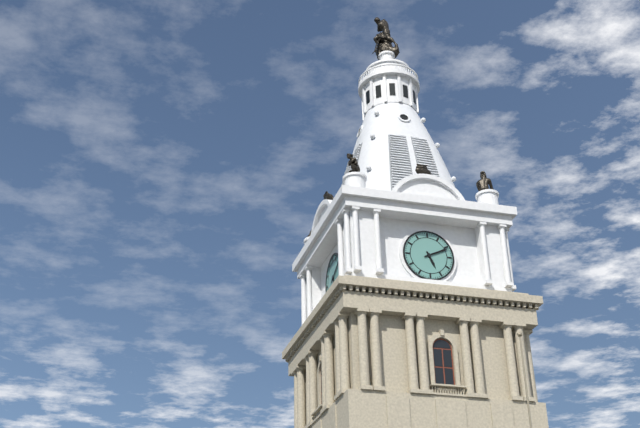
5:11
